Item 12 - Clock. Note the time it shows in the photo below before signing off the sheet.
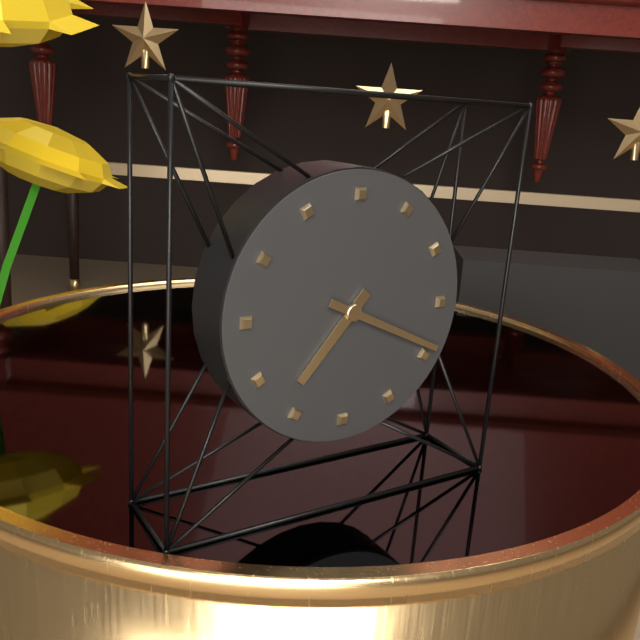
7:19
